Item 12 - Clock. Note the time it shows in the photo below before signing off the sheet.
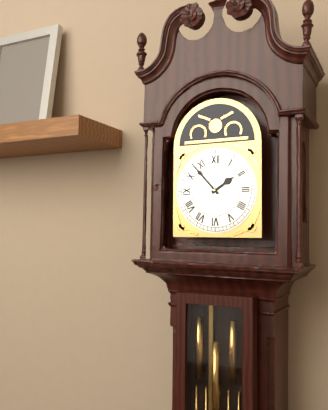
1:53
